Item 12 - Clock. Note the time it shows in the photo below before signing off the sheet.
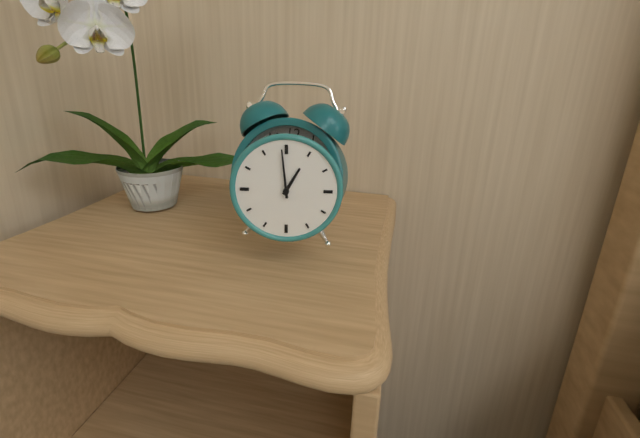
12:59
